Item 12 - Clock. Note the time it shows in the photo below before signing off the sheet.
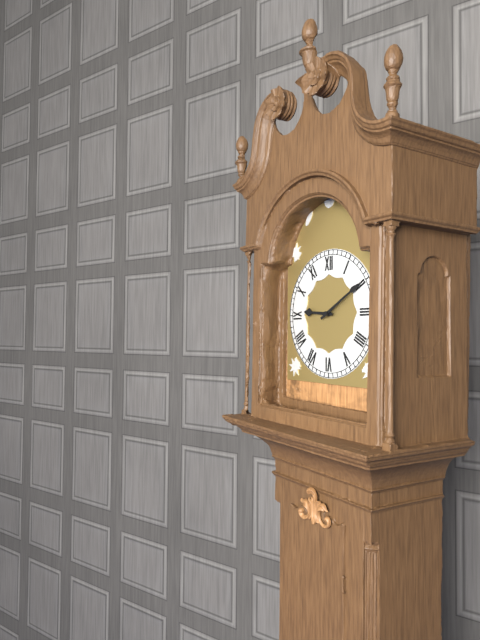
9:10
